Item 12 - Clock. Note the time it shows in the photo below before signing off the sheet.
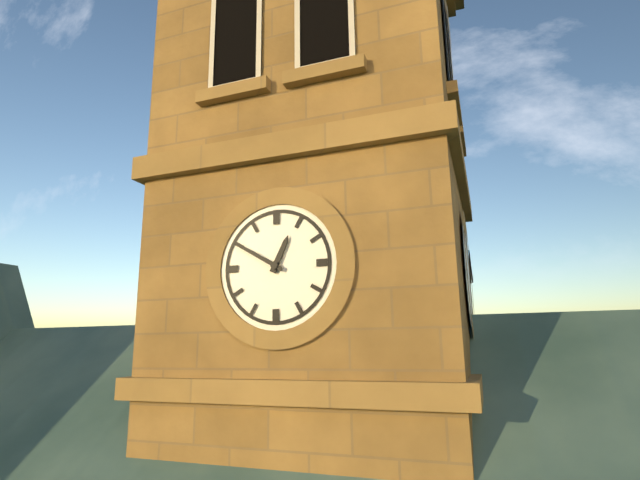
12:50
